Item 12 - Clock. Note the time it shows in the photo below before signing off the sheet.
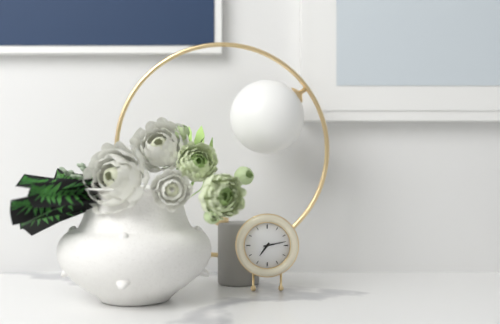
7:13
